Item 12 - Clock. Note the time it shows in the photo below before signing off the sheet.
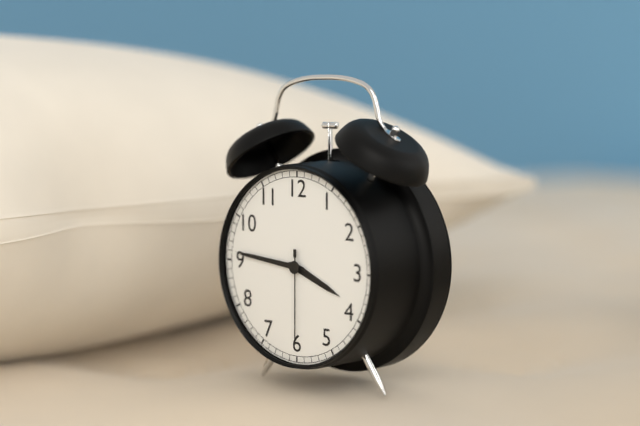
3:46:30
